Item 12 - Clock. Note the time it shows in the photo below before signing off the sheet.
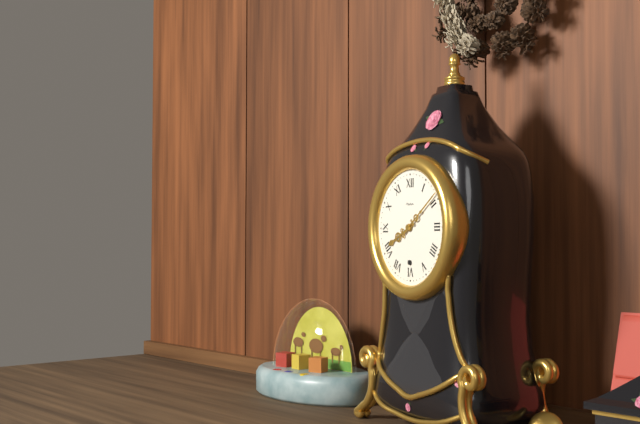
8:09
